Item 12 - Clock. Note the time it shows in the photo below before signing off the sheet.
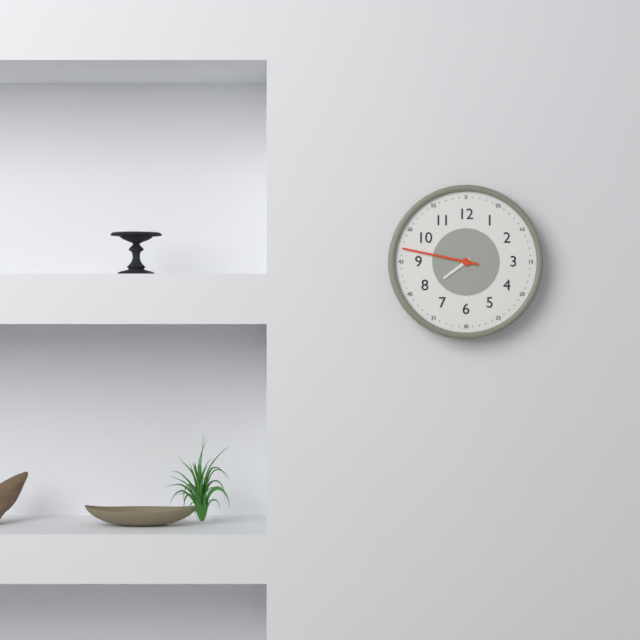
7:47
